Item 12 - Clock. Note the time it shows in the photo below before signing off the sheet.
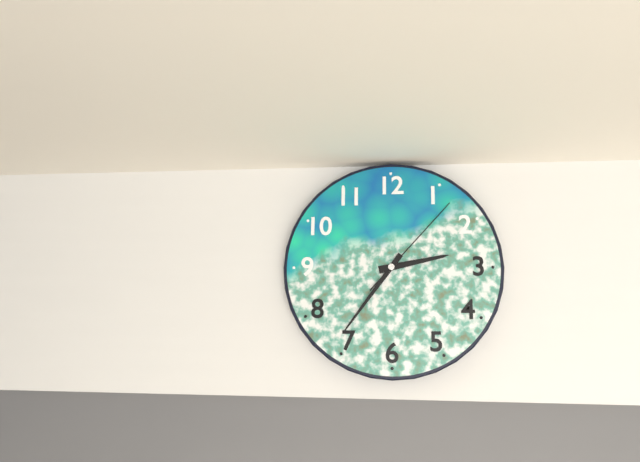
2:36:07
